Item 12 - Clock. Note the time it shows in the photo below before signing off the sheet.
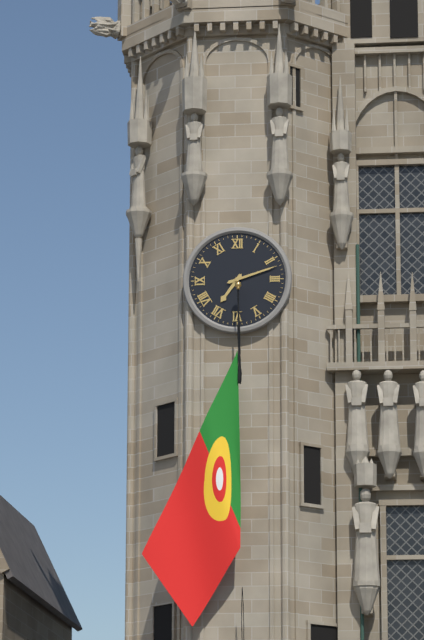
7:12
